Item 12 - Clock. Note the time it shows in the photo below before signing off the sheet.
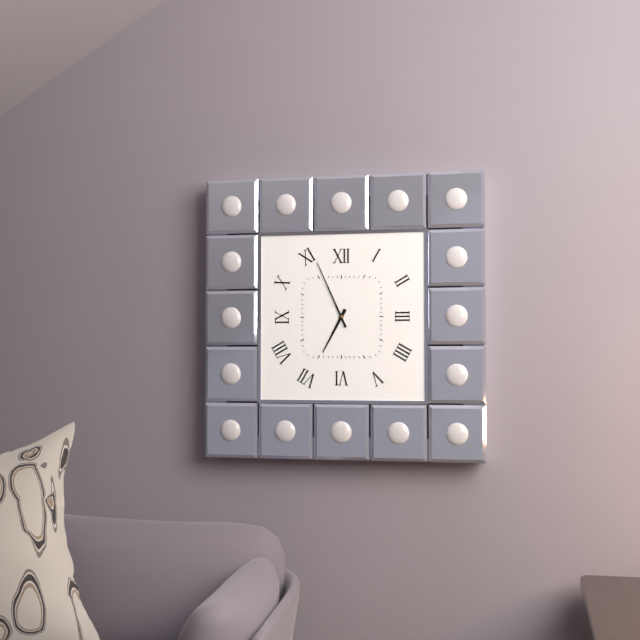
6:56
